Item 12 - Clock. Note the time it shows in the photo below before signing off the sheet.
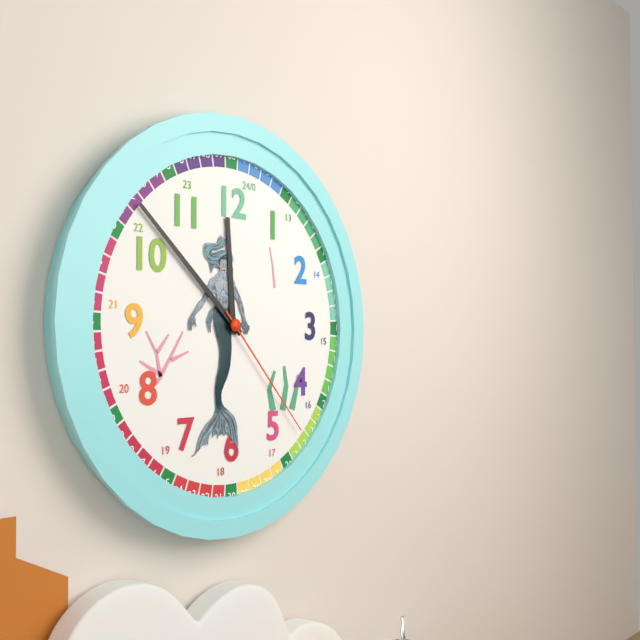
11:52:23
